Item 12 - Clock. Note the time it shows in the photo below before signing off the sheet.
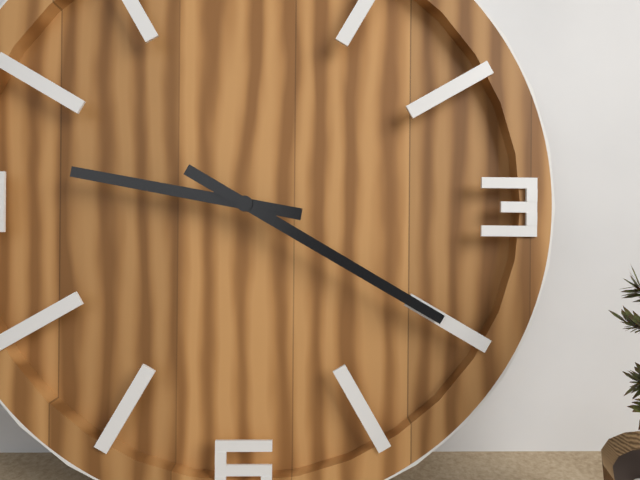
9:20
